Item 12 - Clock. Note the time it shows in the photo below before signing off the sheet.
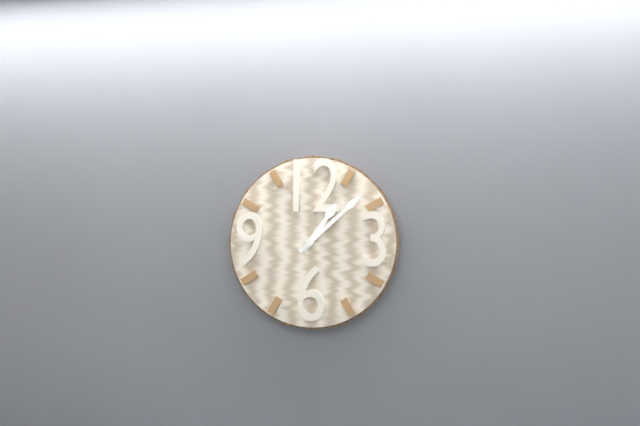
1:08
